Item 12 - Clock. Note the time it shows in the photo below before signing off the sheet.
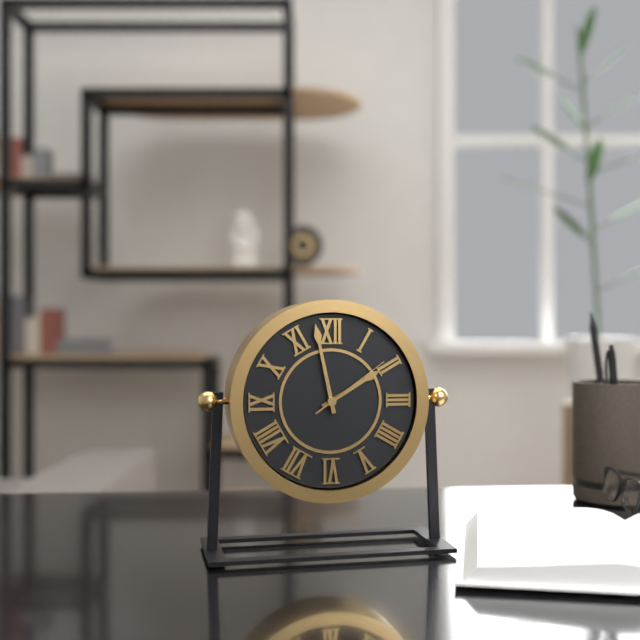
1:58:09
